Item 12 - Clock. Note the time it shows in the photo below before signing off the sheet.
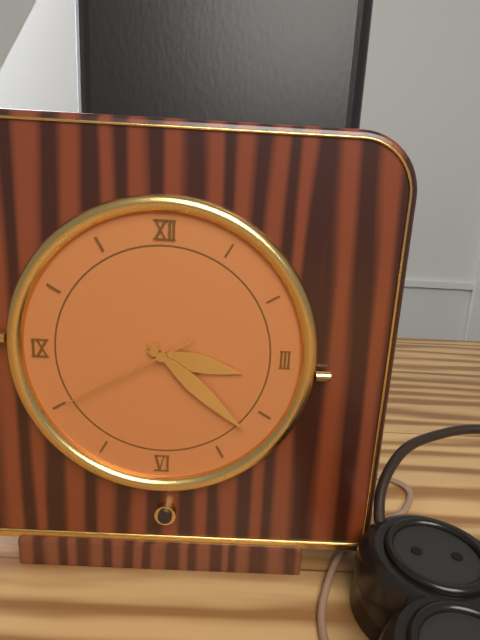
3:22:40
